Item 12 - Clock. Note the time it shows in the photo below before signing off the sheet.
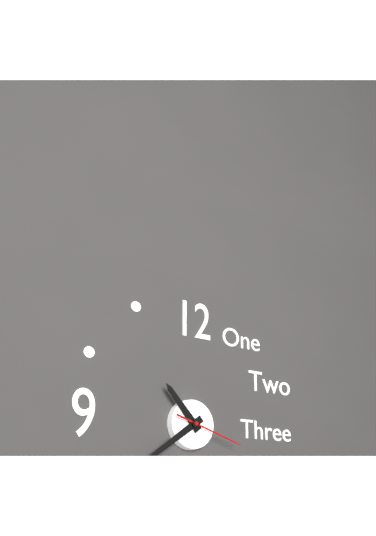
10:39:18
